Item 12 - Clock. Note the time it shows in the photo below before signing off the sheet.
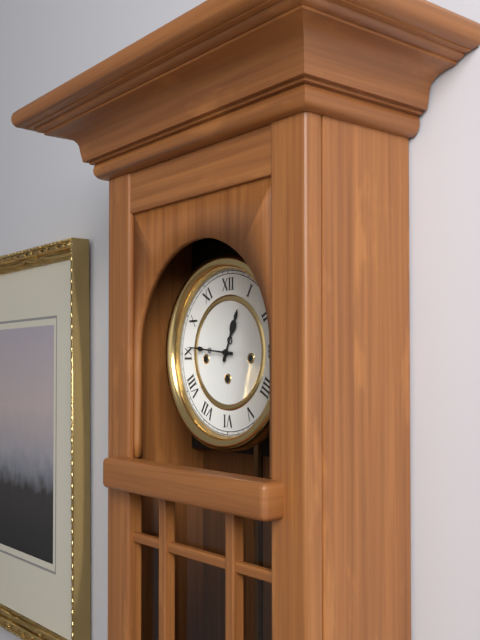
12:46
